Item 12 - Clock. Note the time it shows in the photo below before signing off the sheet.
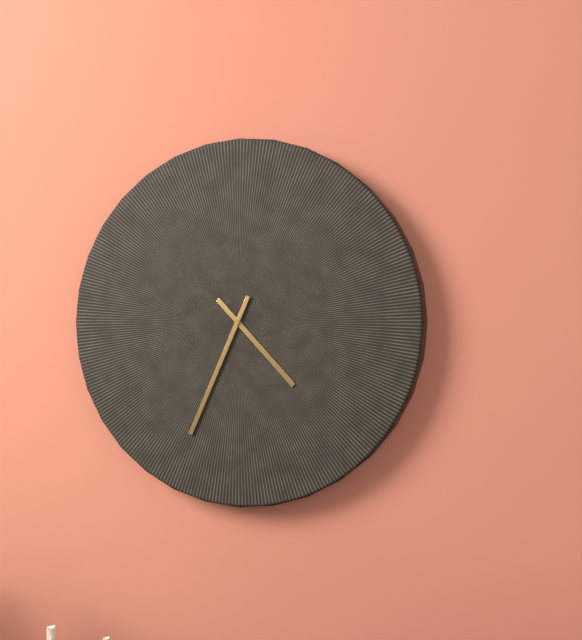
4:34
